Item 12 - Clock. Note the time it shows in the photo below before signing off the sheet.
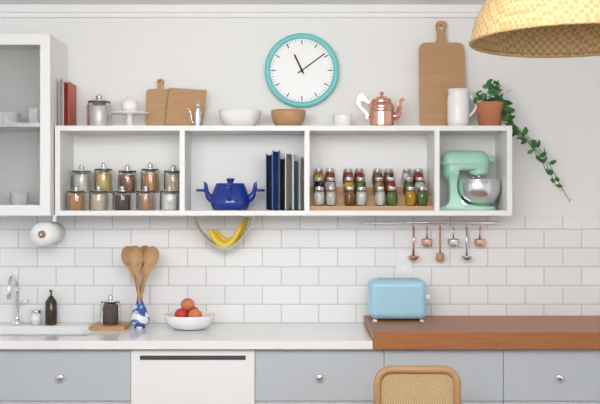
11:09
